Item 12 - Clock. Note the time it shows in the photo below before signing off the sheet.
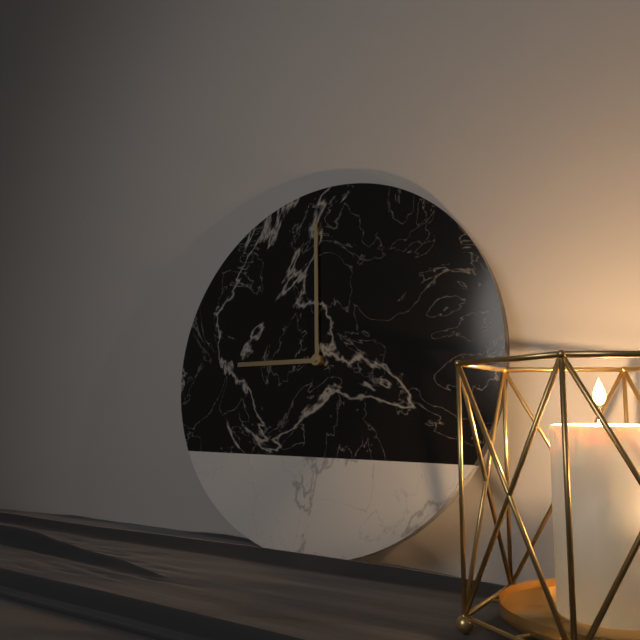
8:59
